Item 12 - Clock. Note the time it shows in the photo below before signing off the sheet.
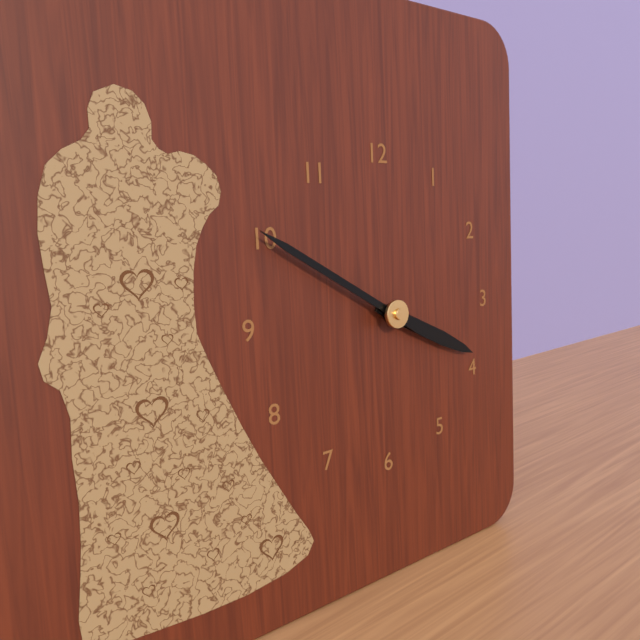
3:50
